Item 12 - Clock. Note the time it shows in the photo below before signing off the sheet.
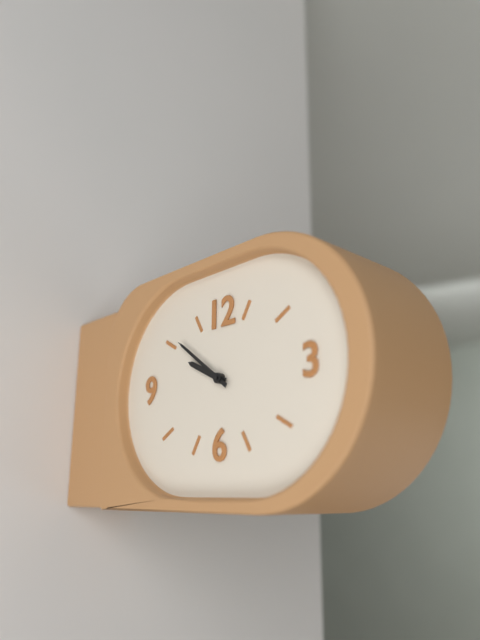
9:51
